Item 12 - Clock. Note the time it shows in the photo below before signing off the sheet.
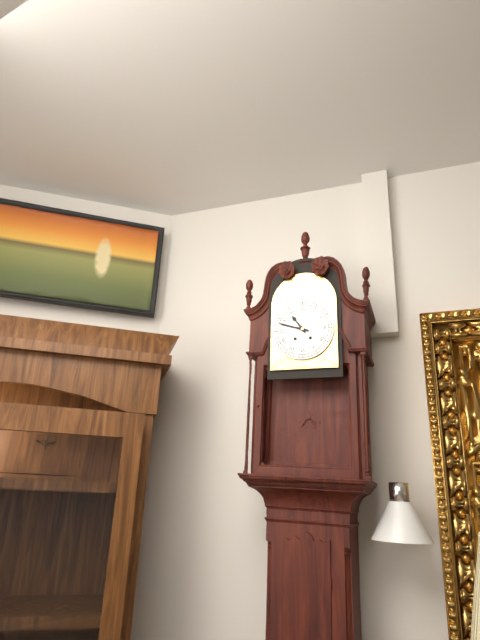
10:48
